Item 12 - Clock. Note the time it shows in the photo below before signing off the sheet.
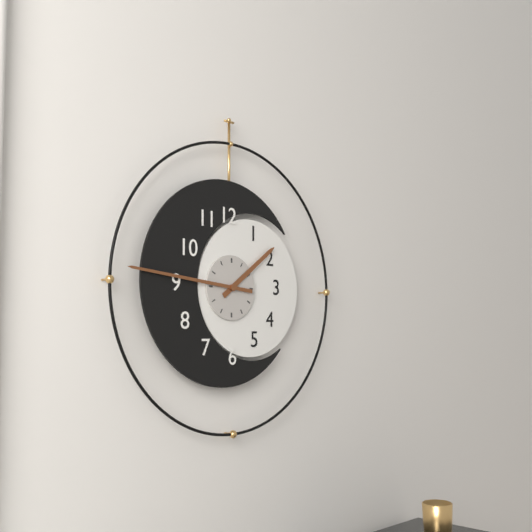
1:46
